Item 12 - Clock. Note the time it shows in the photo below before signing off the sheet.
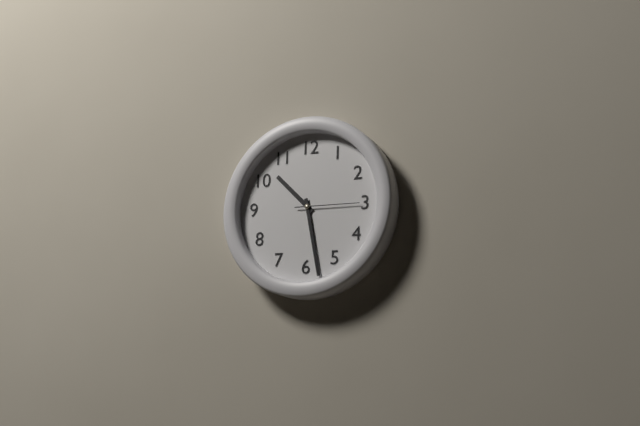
10:28:15
